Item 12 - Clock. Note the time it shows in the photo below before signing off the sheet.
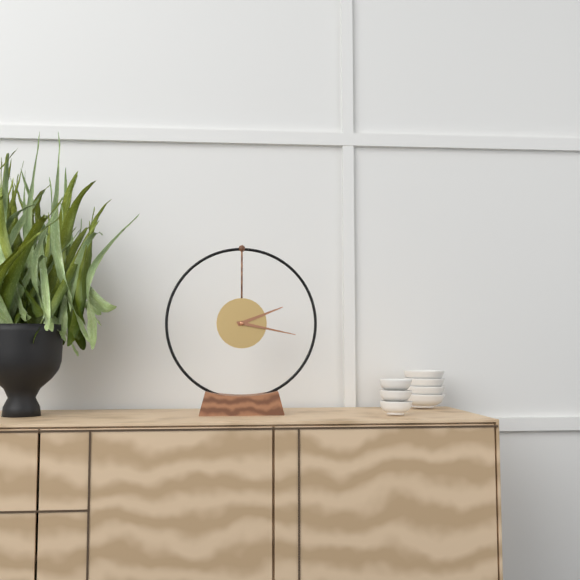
2:17
